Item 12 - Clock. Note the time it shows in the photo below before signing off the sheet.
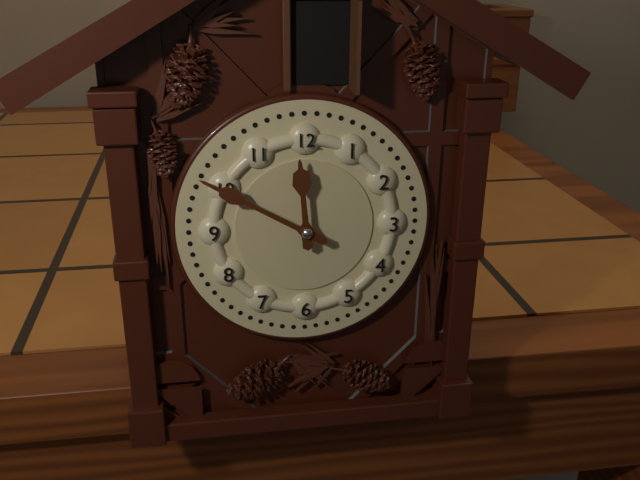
11:50
